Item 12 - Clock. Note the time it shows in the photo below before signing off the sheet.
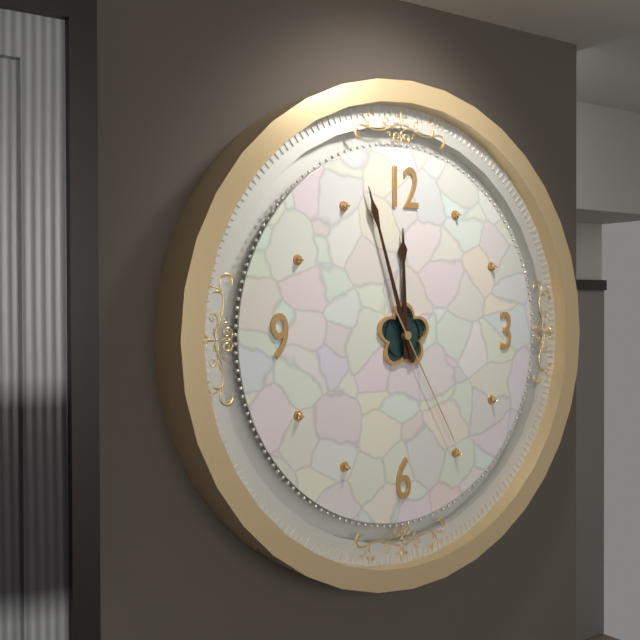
11:57:25
